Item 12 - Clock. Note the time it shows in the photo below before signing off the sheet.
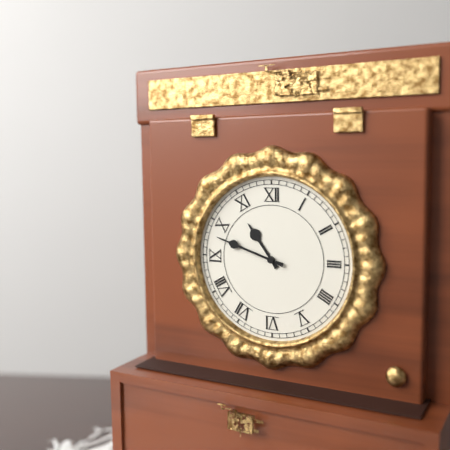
10:48
